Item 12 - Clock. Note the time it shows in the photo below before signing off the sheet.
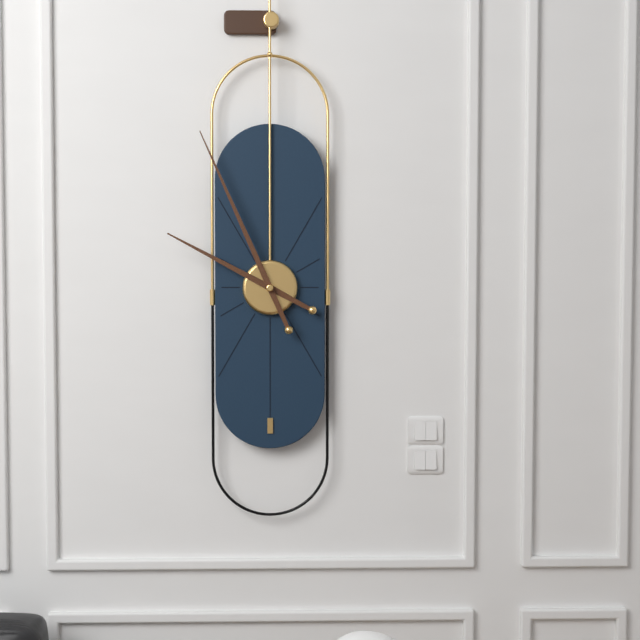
9:56
